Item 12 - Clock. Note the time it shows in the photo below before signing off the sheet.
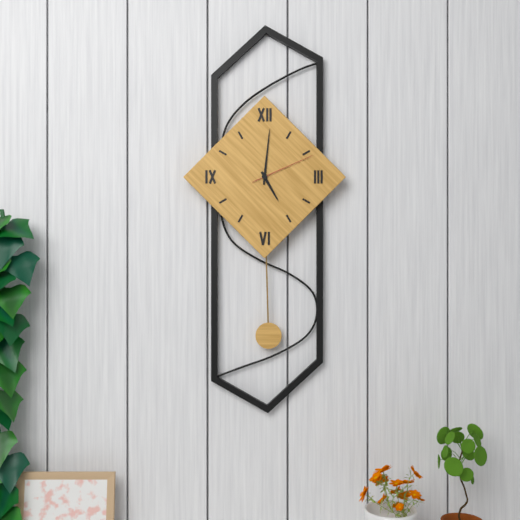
5:01:11
